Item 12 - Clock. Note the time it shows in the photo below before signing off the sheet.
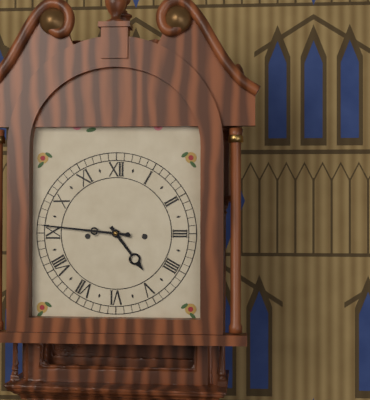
4:46
